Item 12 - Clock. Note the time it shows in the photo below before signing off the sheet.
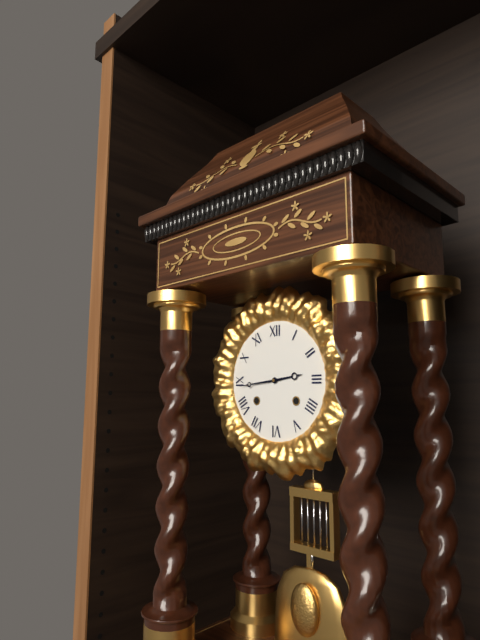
2:44
